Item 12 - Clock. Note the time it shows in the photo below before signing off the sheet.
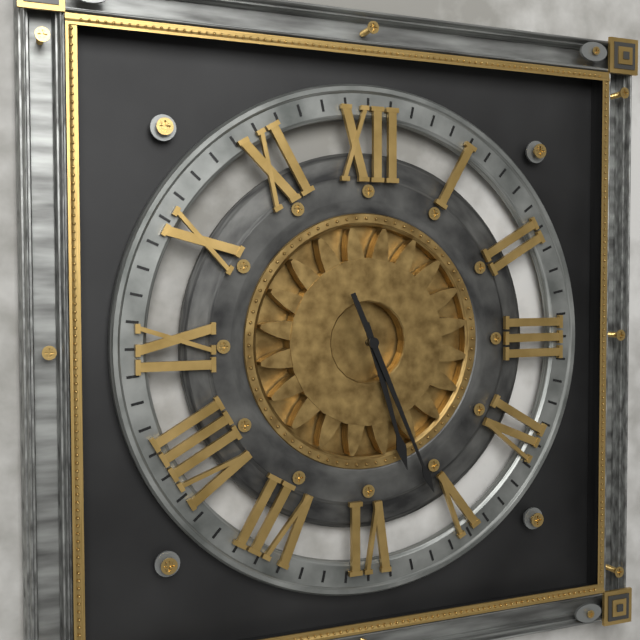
5:26
